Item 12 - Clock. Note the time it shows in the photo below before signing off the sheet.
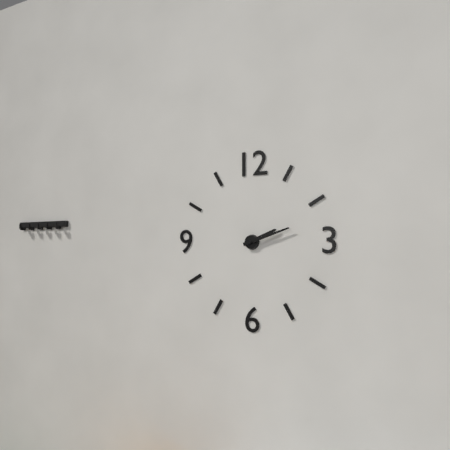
2:12
